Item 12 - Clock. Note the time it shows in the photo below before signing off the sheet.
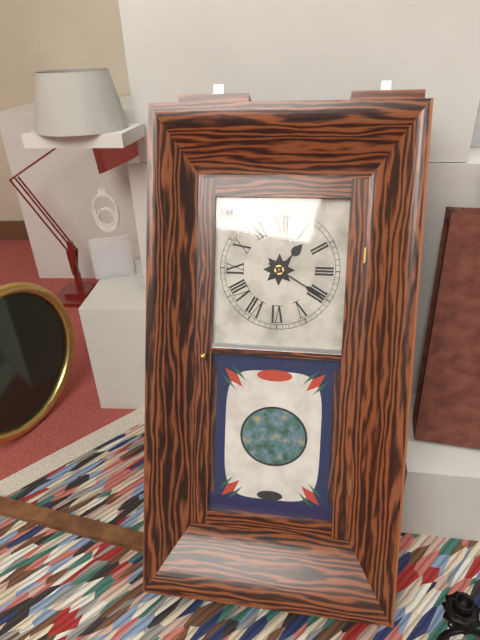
1:20
